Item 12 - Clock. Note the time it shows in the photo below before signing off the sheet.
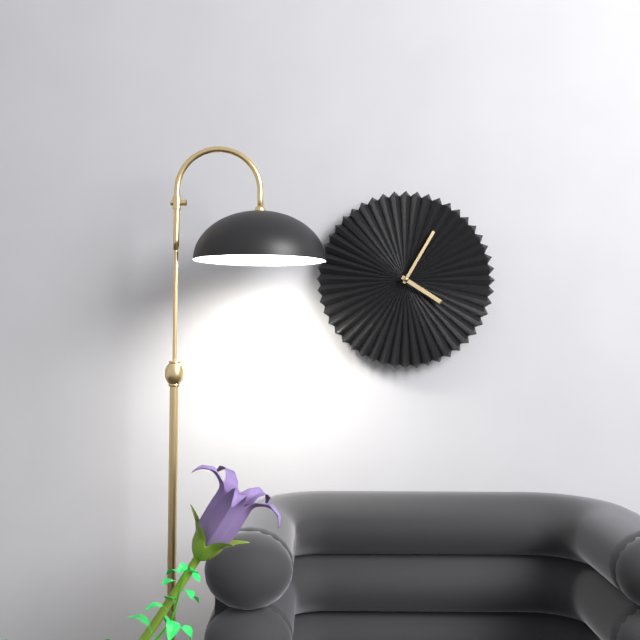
4:05
